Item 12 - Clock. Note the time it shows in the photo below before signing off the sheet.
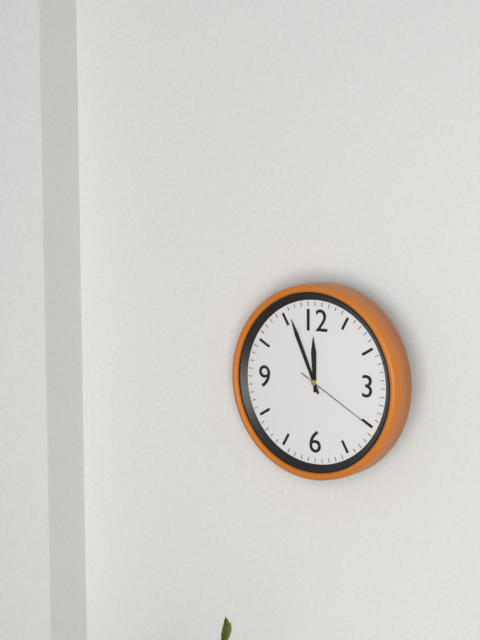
11:56:20
